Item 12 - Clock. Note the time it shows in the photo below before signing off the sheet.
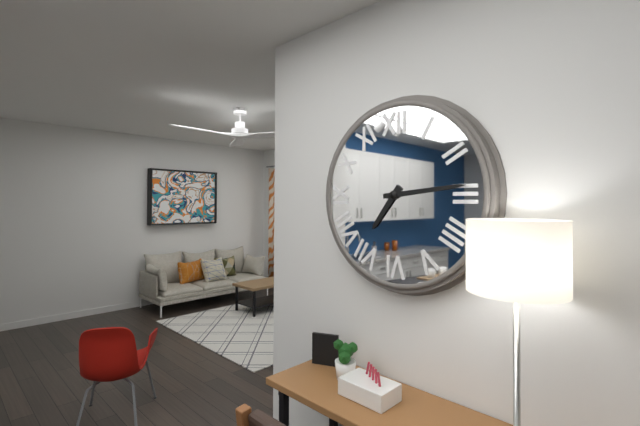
7:14
